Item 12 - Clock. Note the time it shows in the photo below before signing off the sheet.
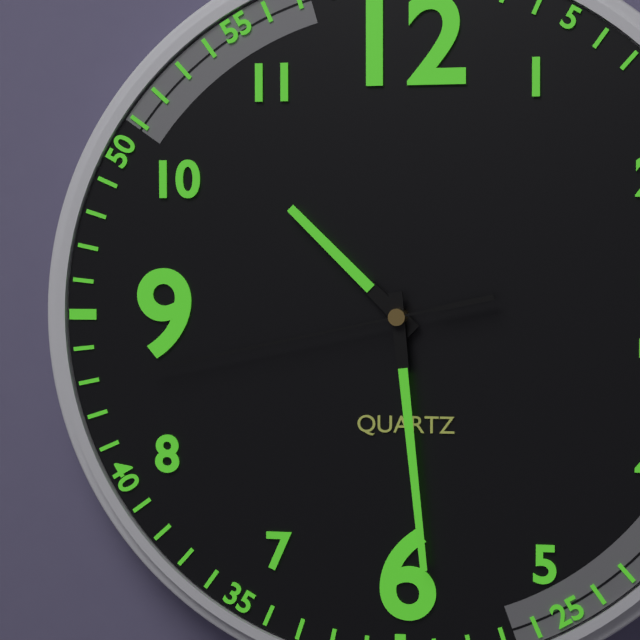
10:29:43
